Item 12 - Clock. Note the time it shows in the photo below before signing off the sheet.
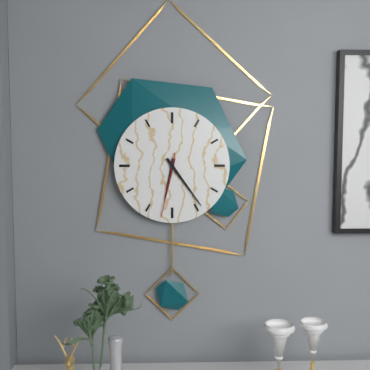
6:24:32
